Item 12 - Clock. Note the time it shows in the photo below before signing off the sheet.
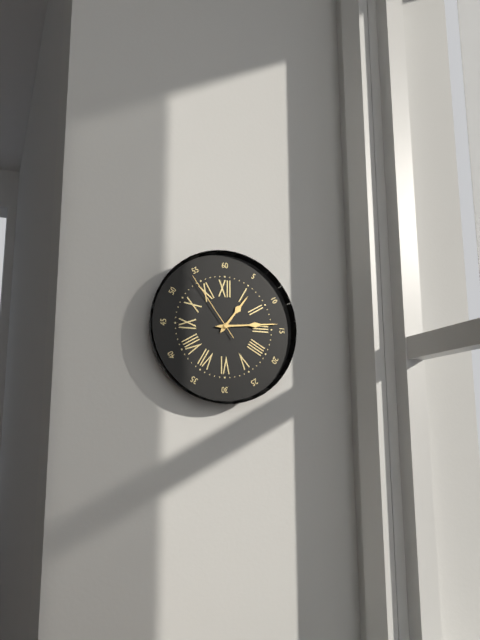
1:14:54
